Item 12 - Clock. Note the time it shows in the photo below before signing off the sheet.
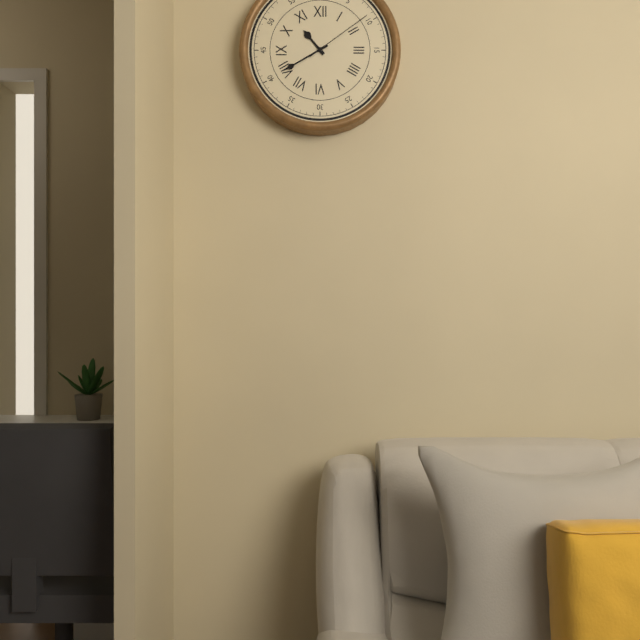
10:40:09
